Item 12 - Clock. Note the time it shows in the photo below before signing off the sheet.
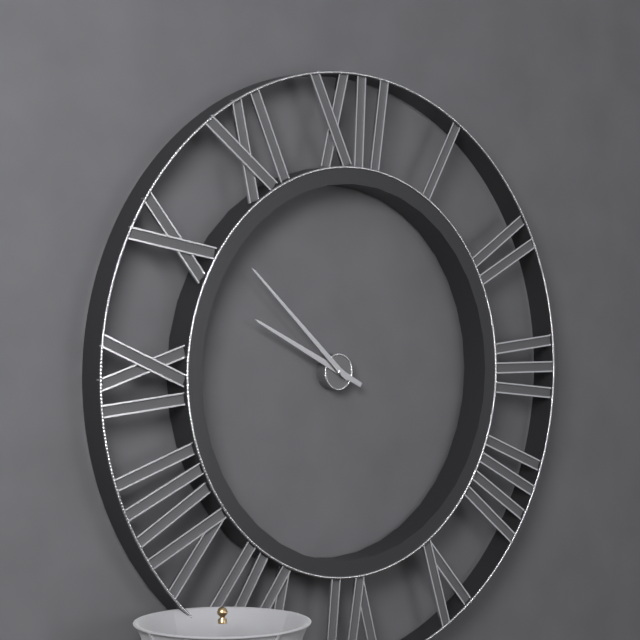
9:52
